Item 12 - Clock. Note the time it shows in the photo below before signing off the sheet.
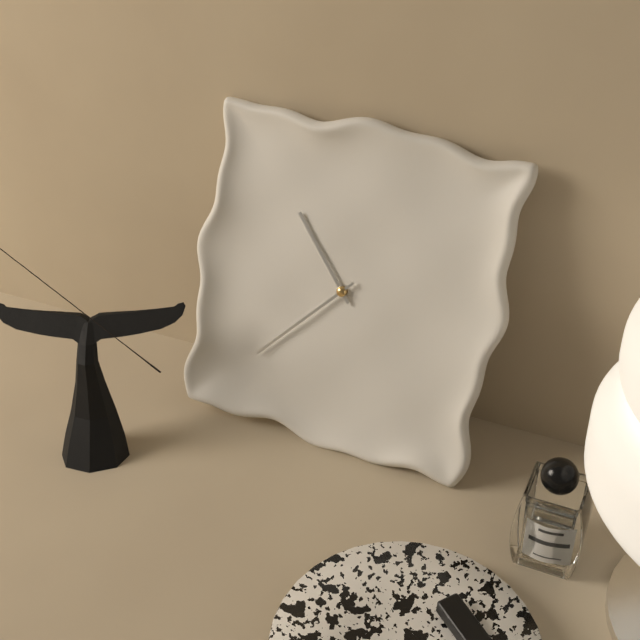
10:37
